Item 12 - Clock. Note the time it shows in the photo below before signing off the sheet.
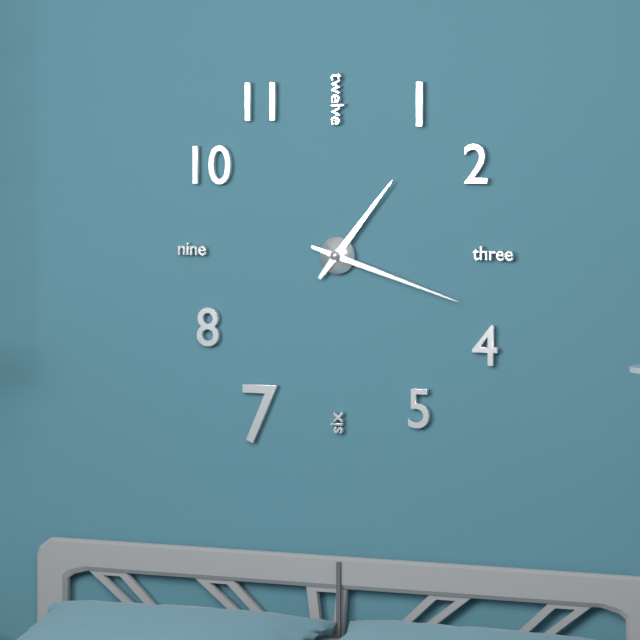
1:18
